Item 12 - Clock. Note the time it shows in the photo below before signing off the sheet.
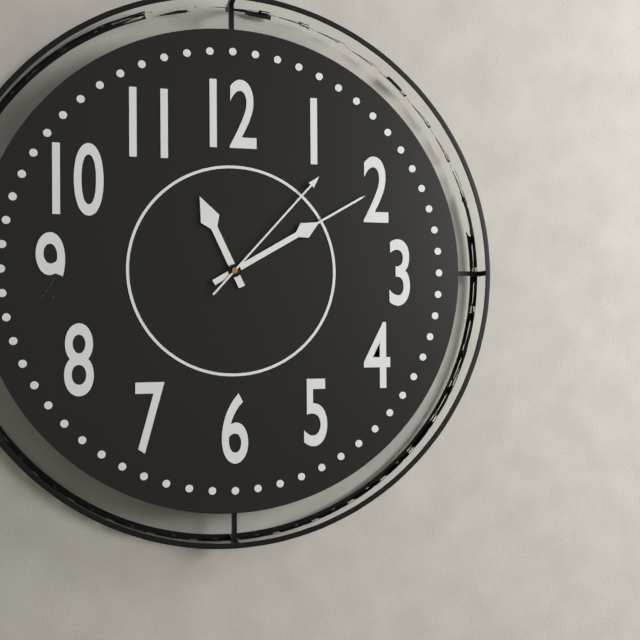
11:10:07
